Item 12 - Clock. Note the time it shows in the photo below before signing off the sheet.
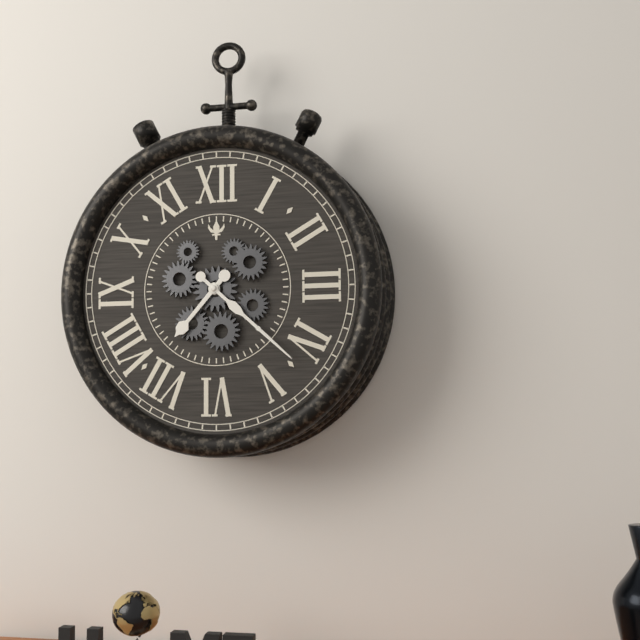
7:22
